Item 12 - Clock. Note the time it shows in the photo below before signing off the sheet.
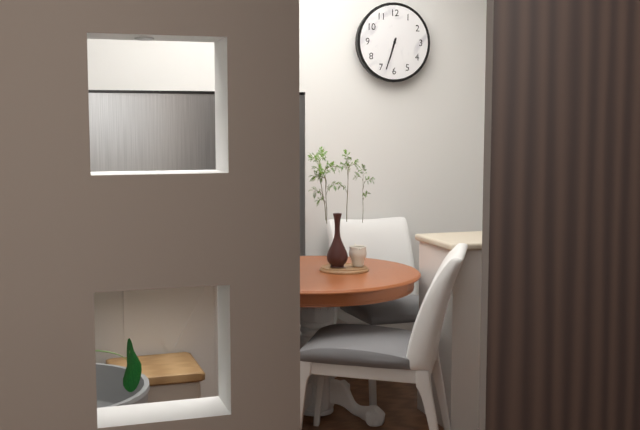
6:33
